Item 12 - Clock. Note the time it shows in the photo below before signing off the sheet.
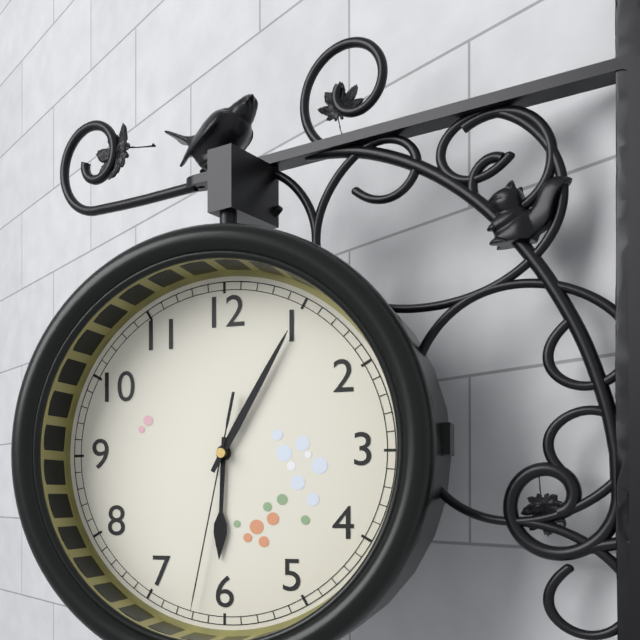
6:05:32
